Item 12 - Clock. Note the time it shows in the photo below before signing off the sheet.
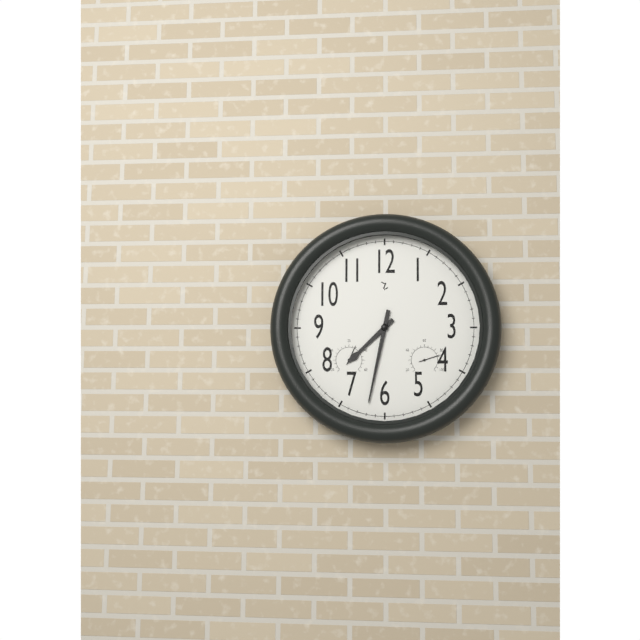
7:32
